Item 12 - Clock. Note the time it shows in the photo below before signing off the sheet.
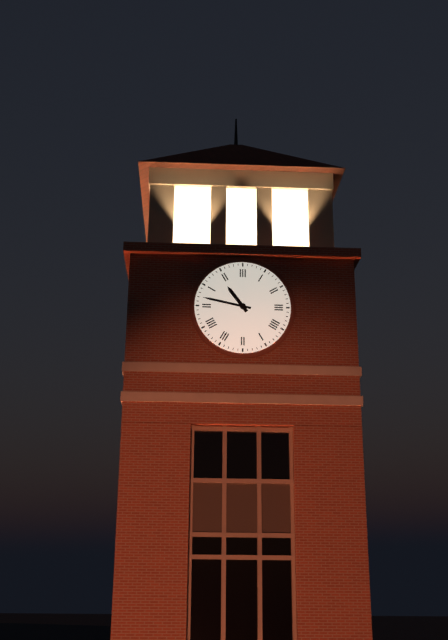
10:47
